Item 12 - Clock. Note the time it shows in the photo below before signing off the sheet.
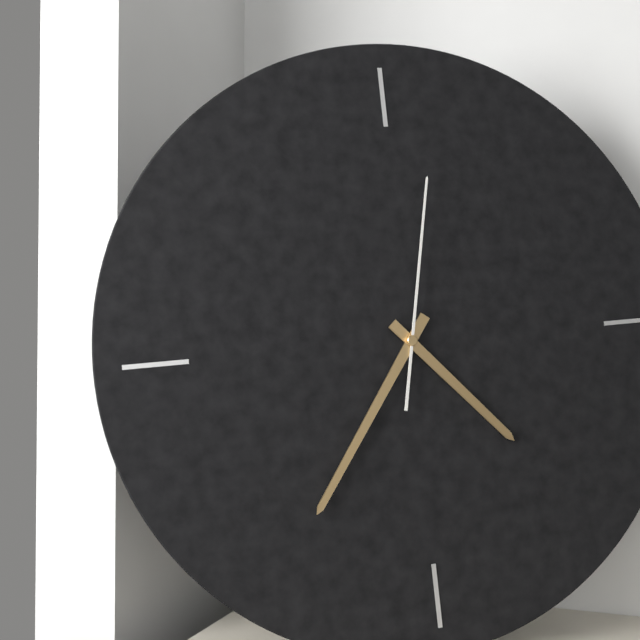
4:36:02
